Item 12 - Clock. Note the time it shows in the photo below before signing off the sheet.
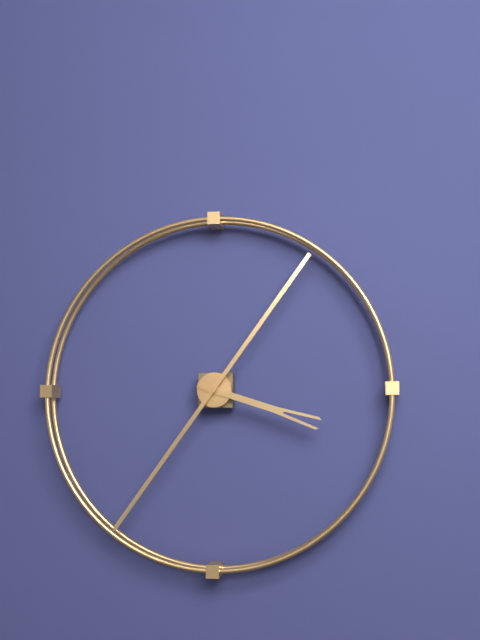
3:36
